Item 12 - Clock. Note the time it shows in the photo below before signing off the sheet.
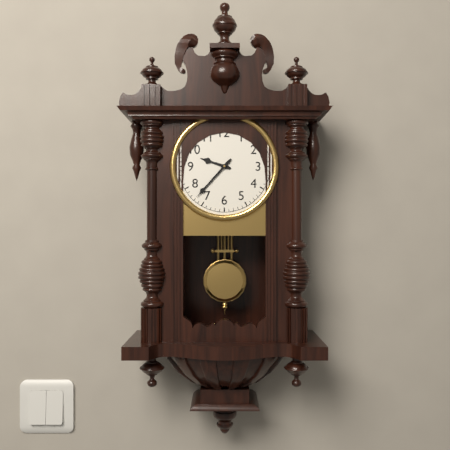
9:37
